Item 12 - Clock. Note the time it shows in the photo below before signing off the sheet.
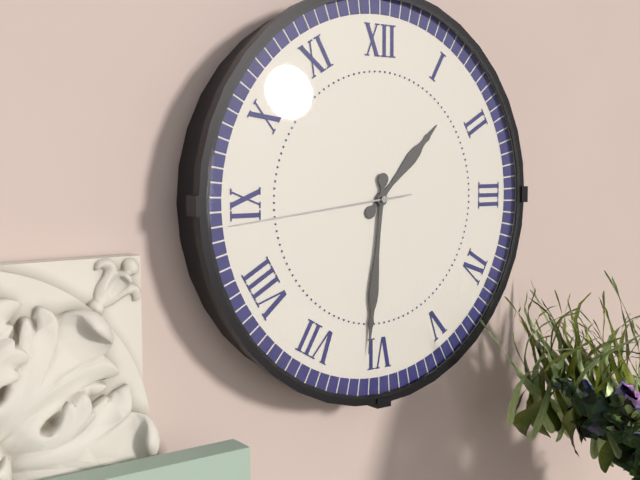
1:31:44
